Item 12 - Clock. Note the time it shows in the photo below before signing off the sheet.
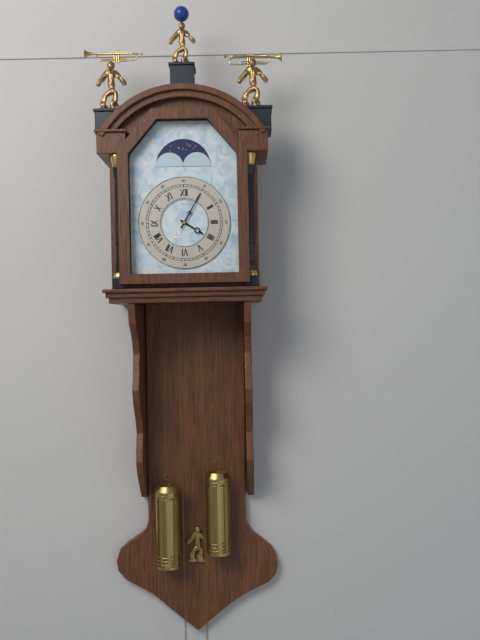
4:05
